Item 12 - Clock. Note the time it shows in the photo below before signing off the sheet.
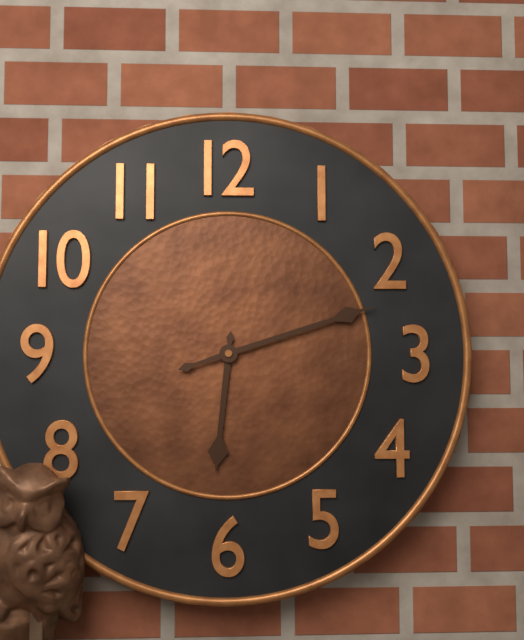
6:12
